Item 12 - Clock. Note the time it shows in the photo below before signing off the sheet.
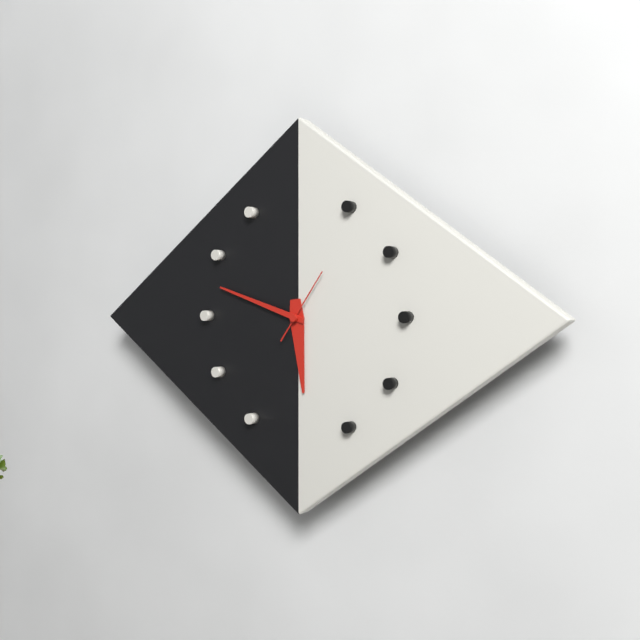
5:48:06
